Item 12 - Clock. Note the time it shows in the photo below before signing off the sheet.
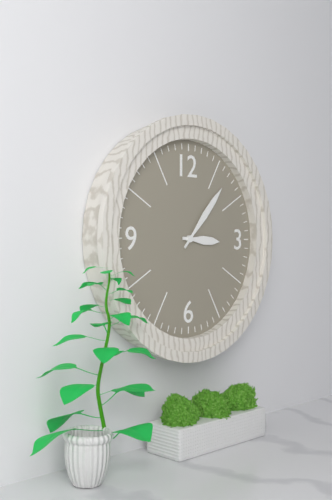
3:07
